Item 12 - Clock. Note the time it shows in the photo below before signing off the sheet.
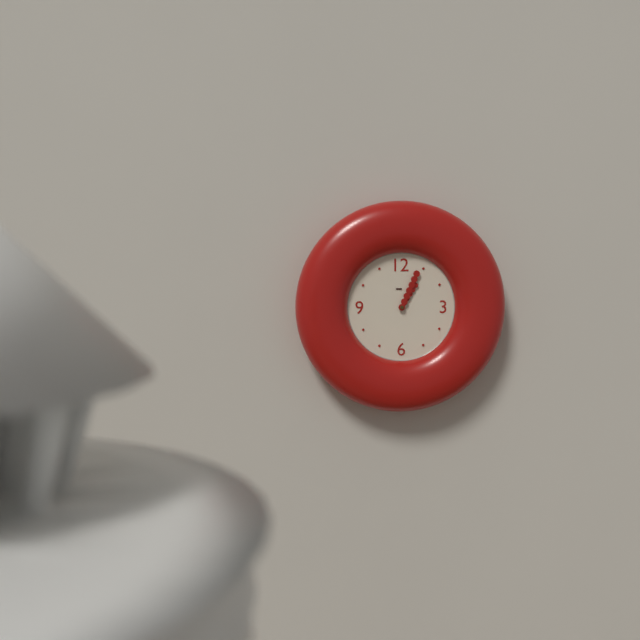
1:04
